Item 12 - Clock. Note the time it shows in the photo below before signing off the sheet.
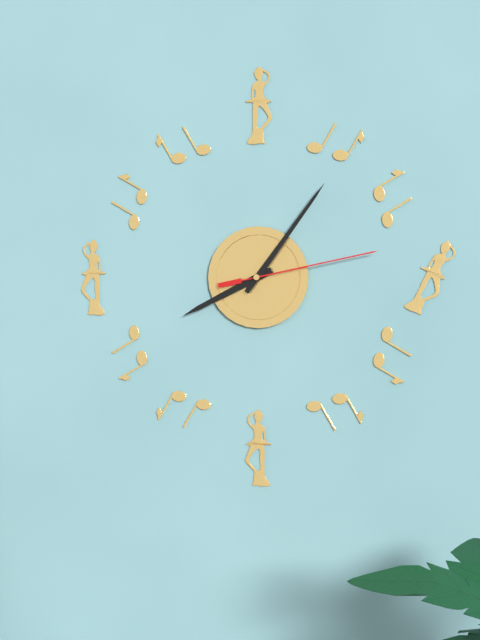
8:06:13
